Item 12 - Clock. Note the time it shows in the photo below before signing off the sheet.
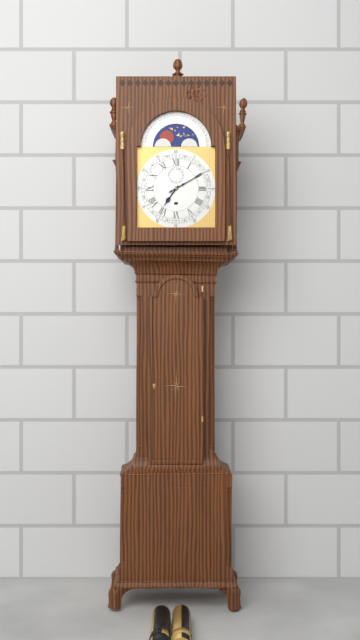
7:10
